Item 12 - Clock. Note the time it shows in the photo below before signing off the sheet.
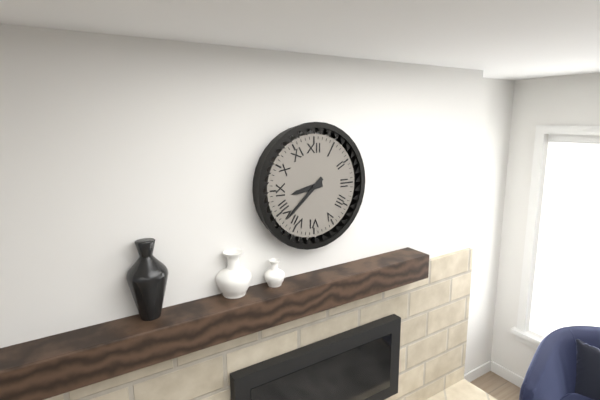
8:38
